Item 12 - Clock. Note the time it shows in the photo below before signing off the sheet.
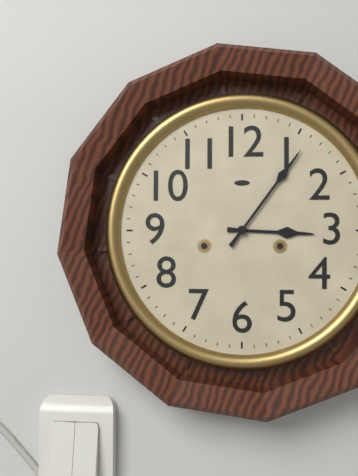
3:06
